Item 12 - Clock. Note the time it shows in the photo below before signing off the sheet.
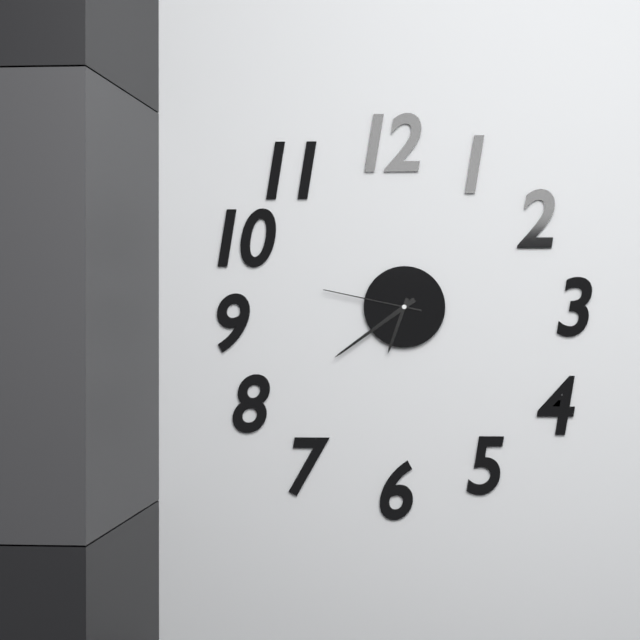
6:39:47
